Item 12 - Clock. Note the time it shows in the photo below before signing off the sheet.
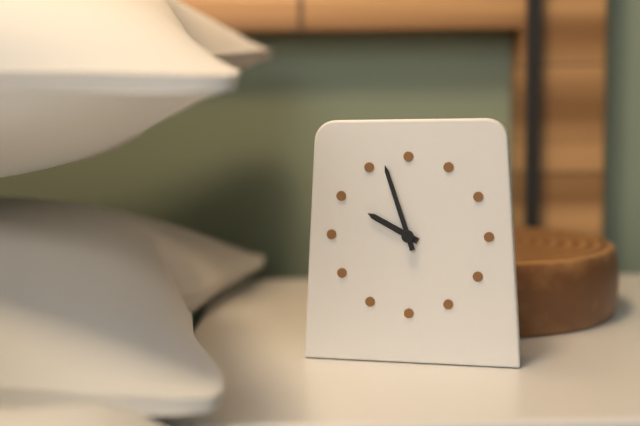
9:57
